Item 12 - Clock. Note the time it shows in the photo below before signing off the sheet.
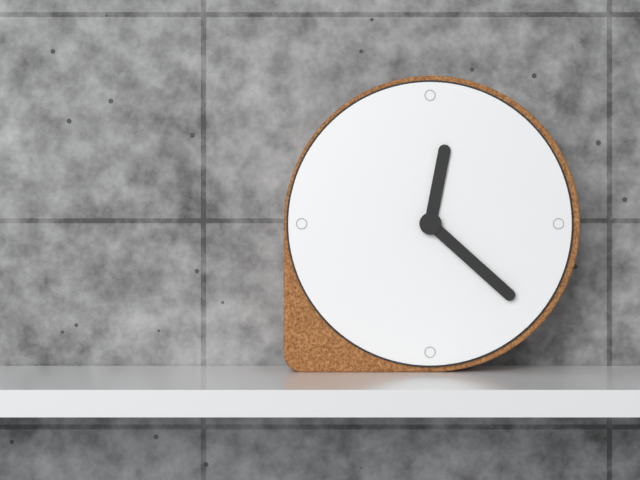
12:22
